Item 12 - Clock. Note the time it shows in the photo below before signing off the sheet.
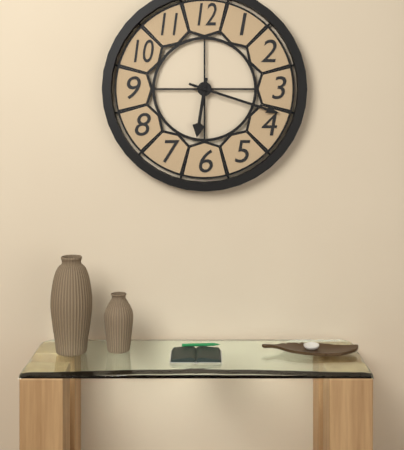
6:18
